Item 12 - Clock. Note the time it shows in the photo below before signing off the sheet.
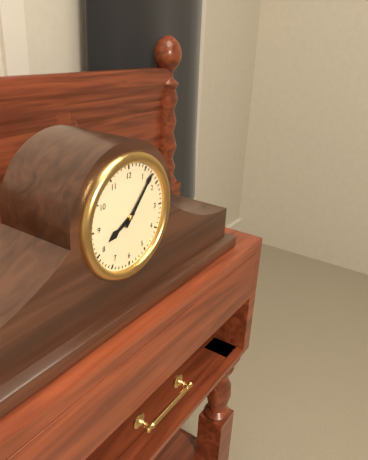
8:07
